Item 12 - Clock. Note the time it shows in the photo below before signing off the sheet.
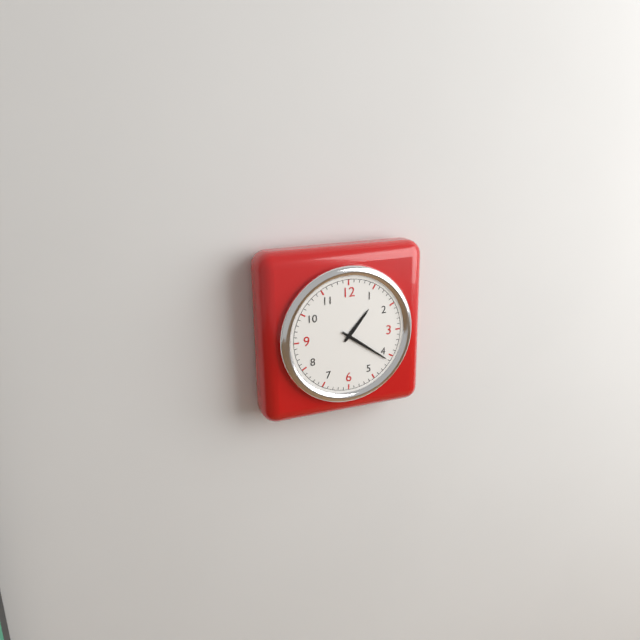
1:21
